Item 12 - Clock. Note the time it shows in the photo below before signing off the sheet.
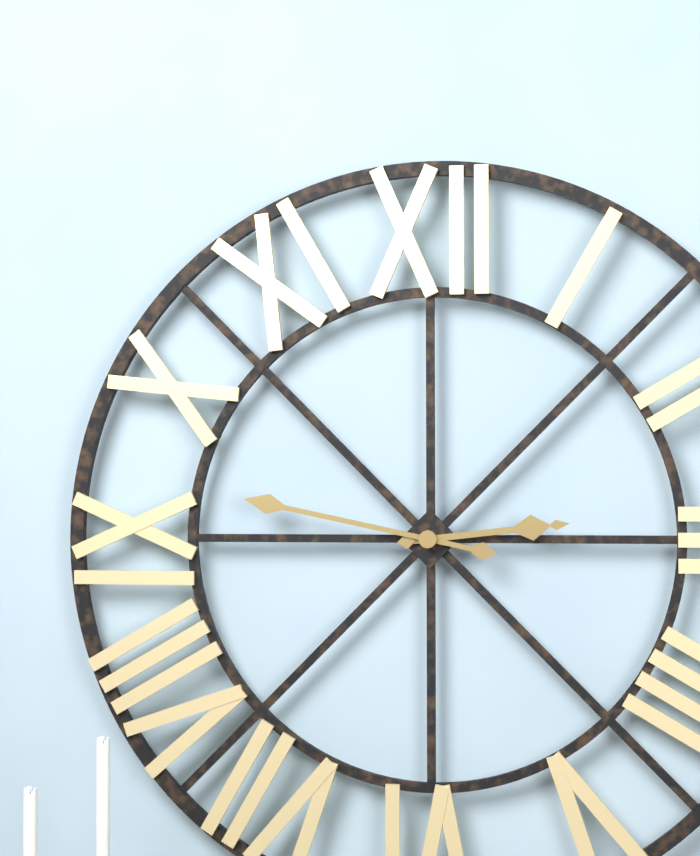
2:47
